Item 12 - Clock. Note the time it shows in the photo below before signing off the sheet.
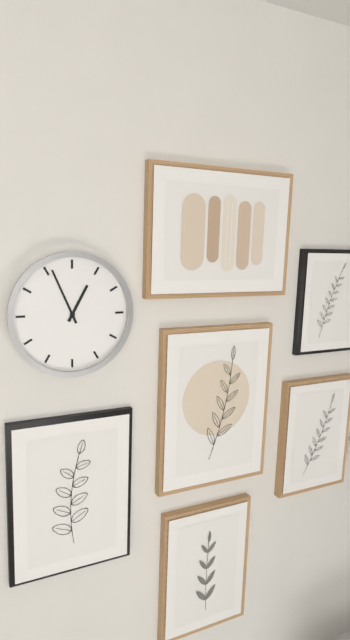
12:56
